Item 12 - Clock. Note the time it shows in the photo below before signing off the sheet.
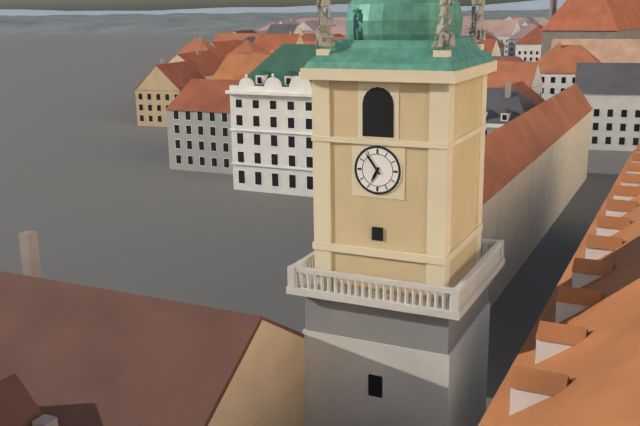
6:54
